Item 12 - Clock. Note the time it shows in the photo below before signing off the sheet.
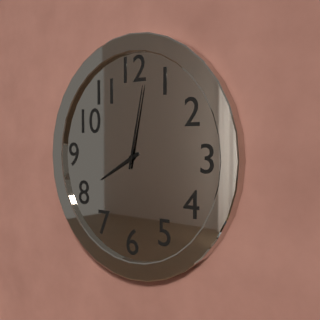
8:02
